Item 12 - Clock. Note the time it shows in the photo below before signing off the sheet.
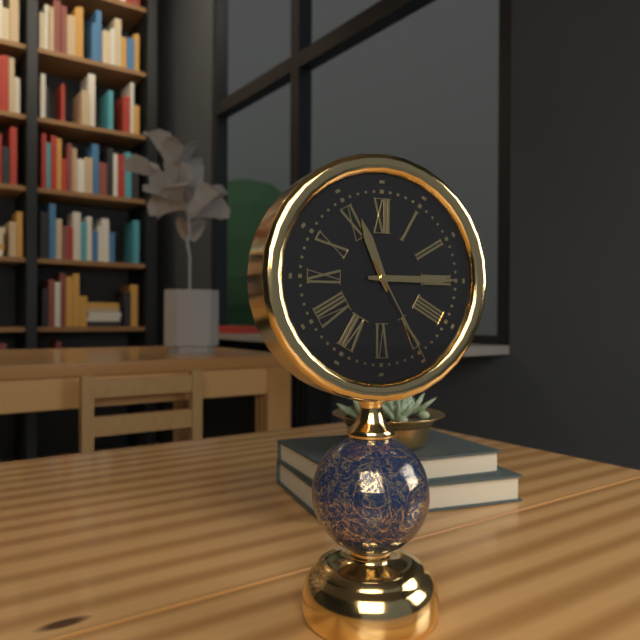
11:15:25
